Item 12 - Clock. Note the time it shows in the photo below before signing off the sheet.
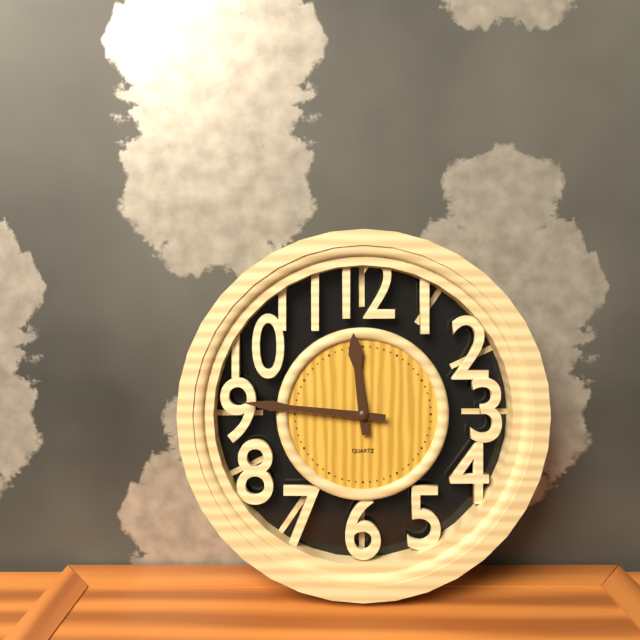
11:46
